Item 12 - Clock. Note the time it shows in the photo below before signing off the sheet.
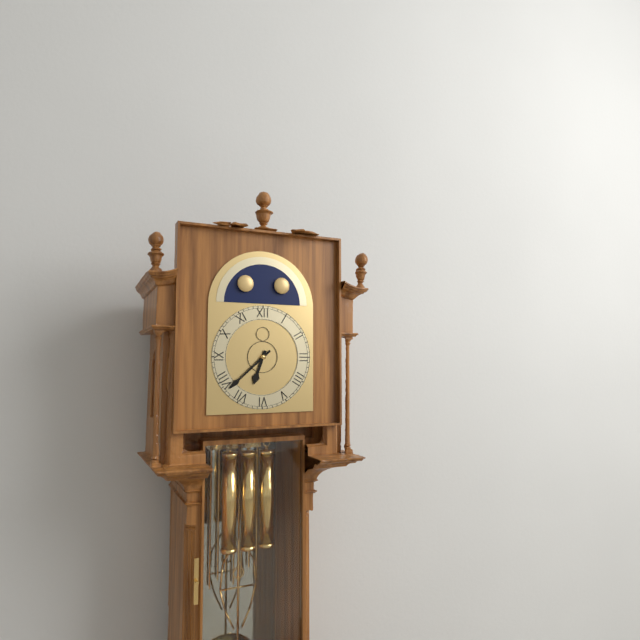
6:38
